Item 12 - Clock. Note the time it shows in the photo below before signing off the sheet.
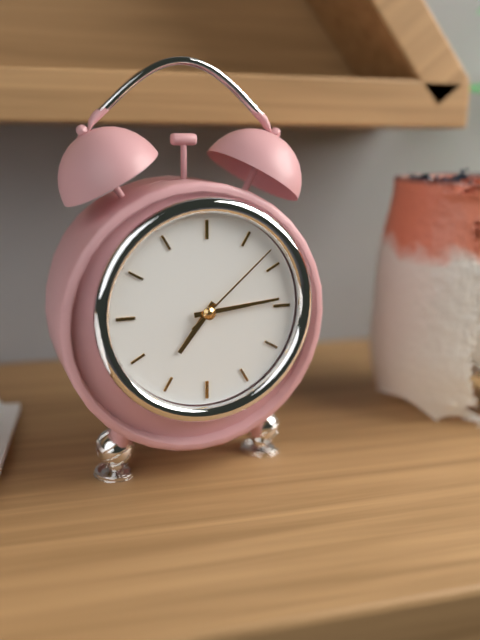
7:14:08
